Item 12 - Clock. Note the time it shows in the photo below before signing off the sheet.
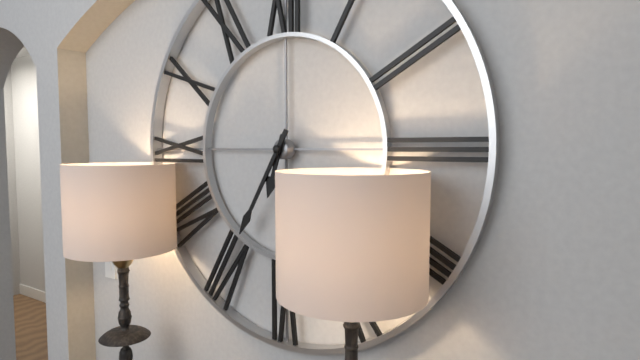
6:35
